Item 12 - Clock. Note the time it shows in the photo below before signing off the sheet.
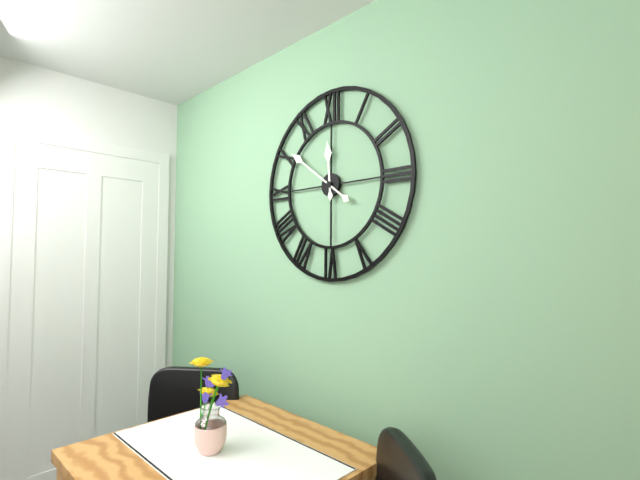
11:51
